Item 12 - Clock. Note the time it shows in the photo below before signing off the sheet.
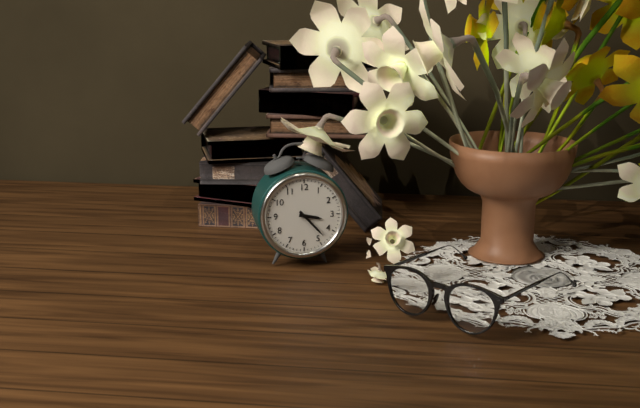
3:23
